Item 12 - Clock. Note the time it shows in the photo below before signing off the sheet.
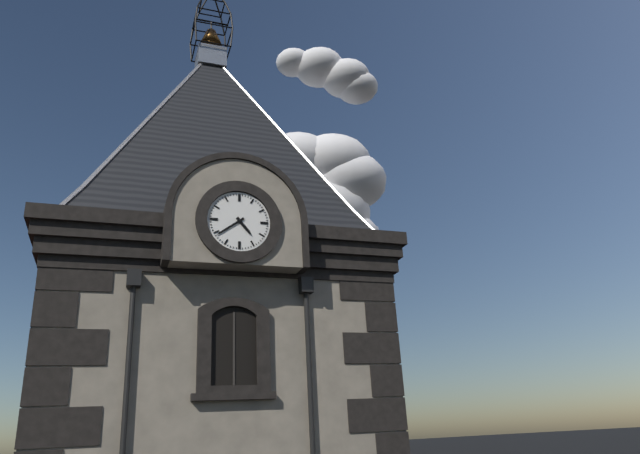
4:39
